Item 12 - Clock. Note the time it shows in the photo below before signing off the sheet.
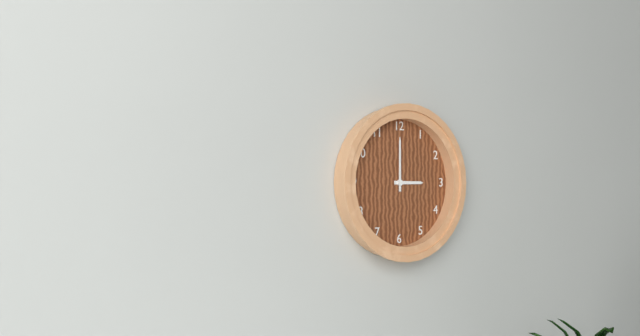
3:00
